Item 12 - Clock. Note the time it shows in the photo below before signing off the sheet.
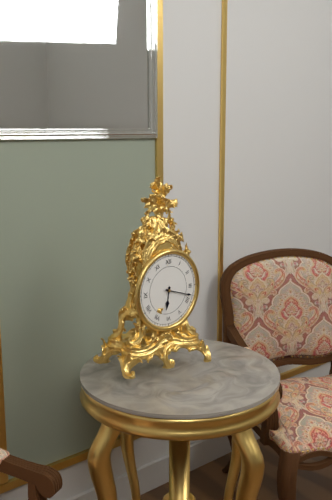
6:18
